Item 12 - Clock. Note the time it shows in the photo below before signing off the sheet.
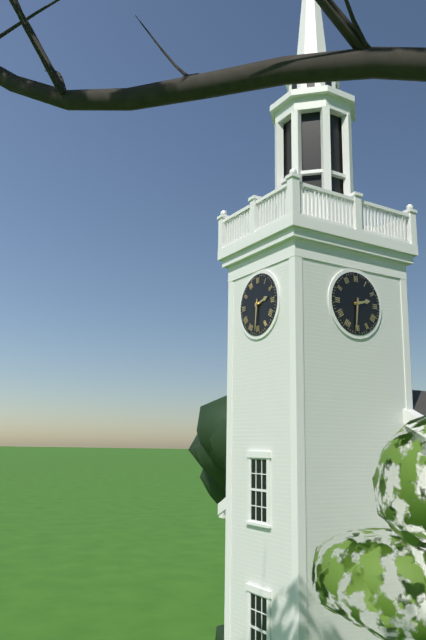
2:31
